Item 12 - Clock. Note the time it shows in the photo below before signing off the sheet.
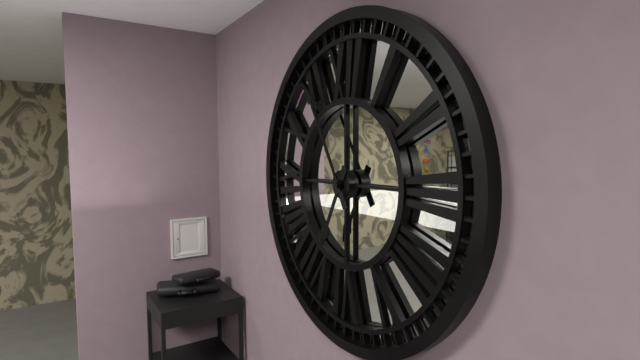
6:55
